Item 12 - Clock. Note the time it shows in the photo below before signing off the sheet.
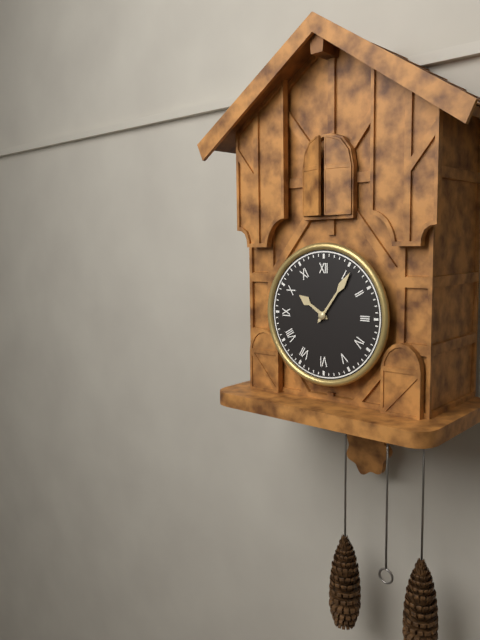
10:06
